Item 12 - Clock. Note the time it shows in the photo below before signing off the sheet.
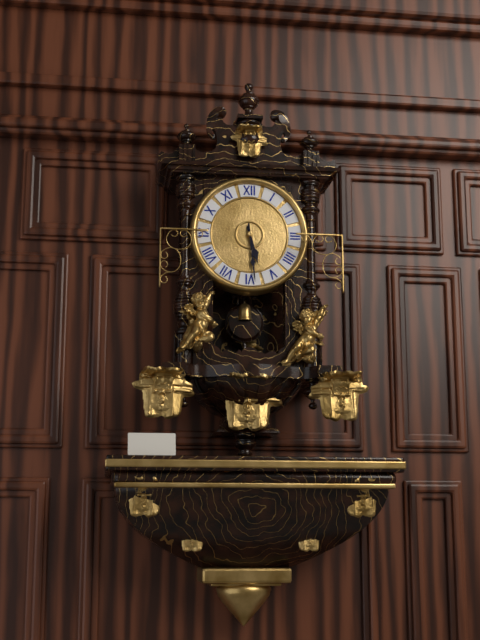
5:29
